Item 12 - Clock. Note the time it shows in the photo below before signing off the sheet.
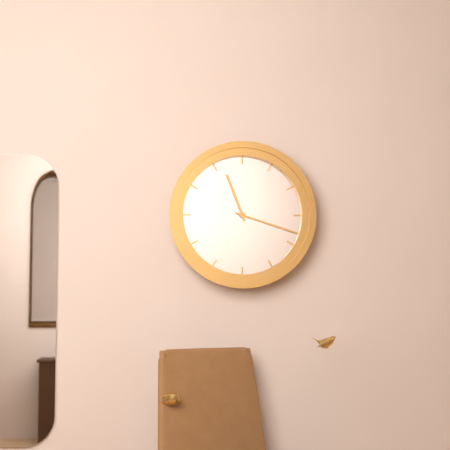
11:18
